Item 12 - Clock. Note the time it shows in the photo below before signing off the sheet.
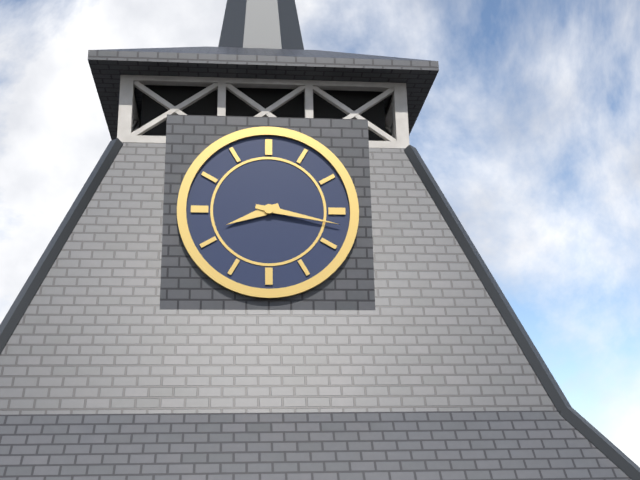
8:17
